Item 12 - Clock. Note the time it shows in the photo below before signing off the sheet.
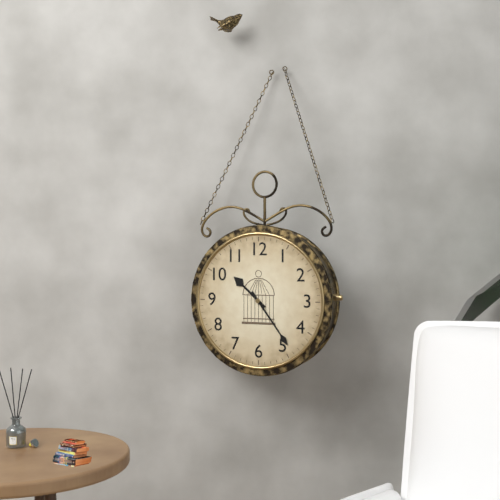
10:24
